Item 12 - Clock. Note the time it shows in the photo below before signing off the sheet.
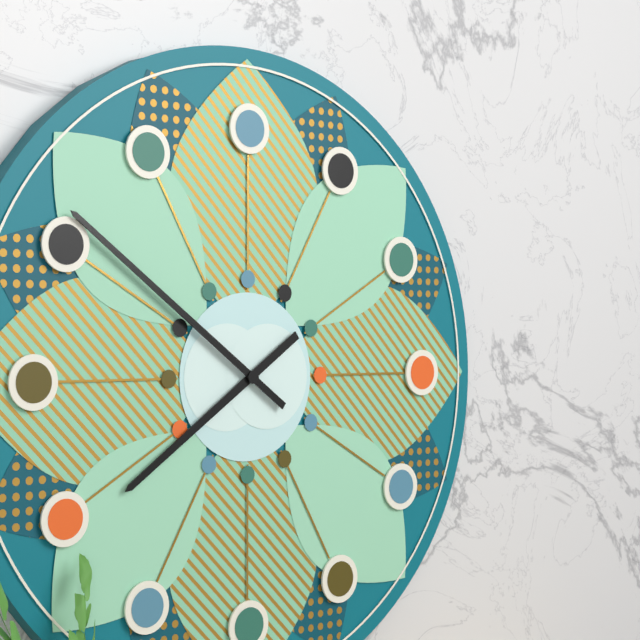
7:51
